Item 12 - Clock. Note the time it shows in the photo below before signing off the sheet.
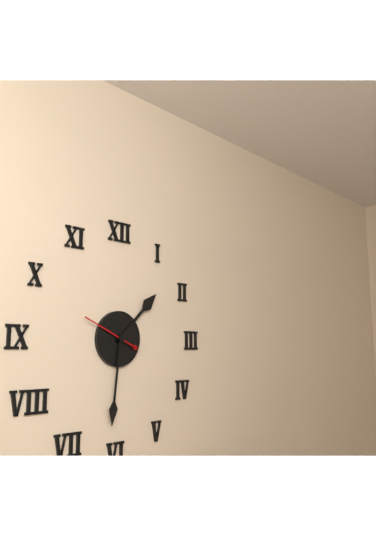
1:31:49
